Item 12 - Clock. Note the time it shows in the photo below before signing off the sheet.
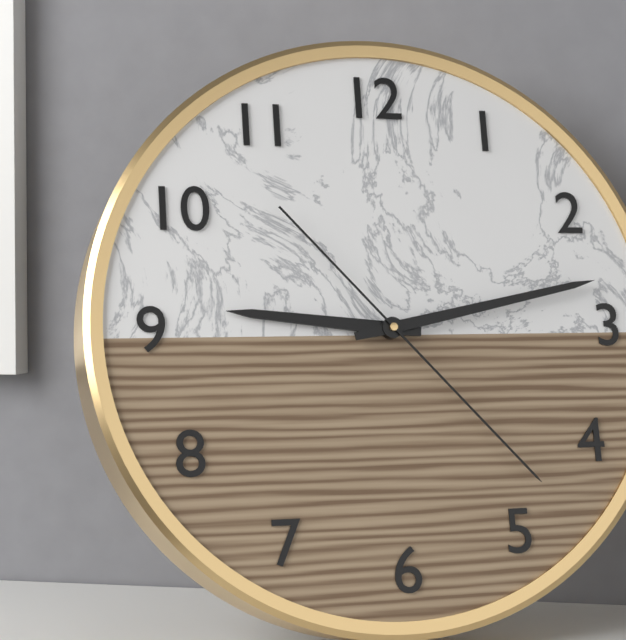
9:13:23
